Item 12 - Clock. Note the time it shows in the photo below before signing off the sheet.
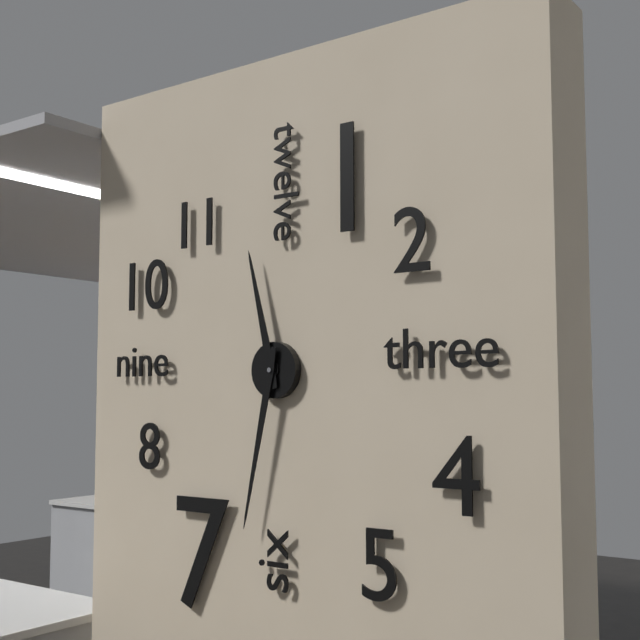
11:32
